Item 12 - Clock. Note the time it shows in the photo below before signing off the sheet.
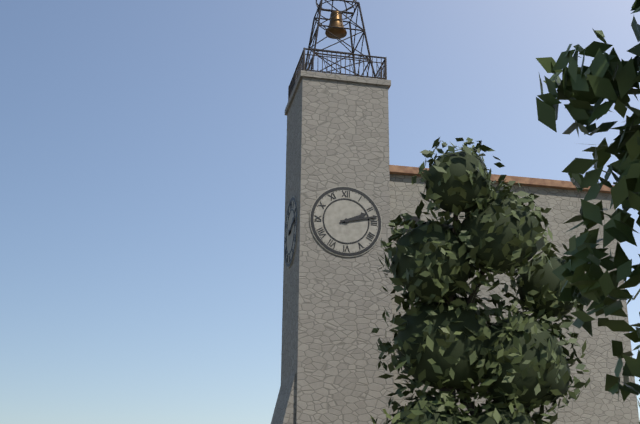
2:13
